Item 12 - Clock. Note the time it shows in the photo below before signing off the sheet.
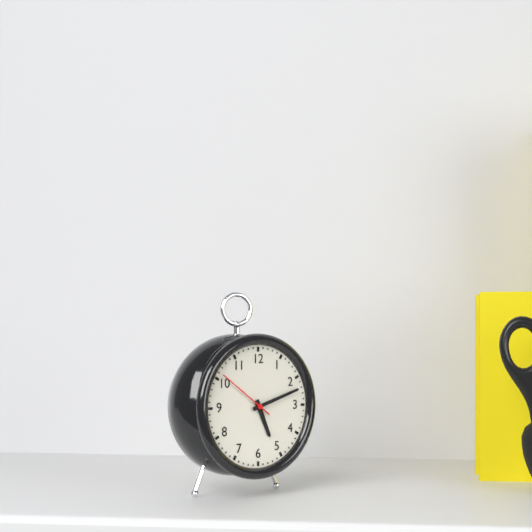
5:12:51
